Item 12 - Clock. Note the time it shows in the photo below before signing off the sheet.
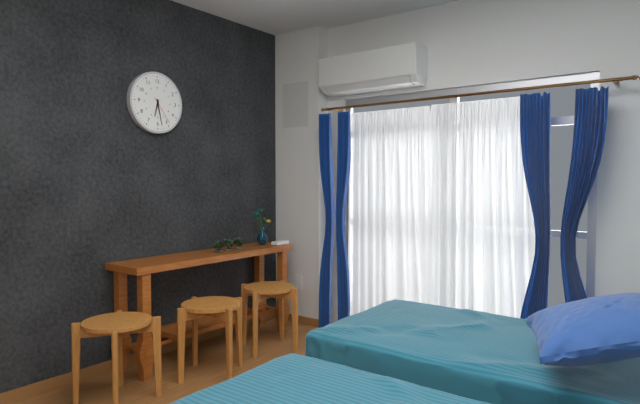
6:28
